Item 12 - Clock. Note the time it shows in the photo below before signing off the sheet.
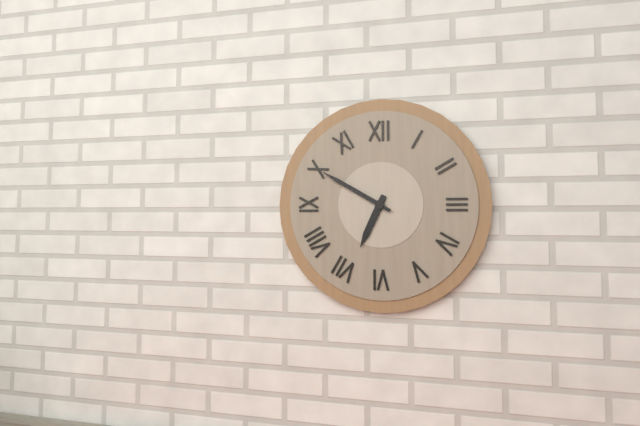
6:50
